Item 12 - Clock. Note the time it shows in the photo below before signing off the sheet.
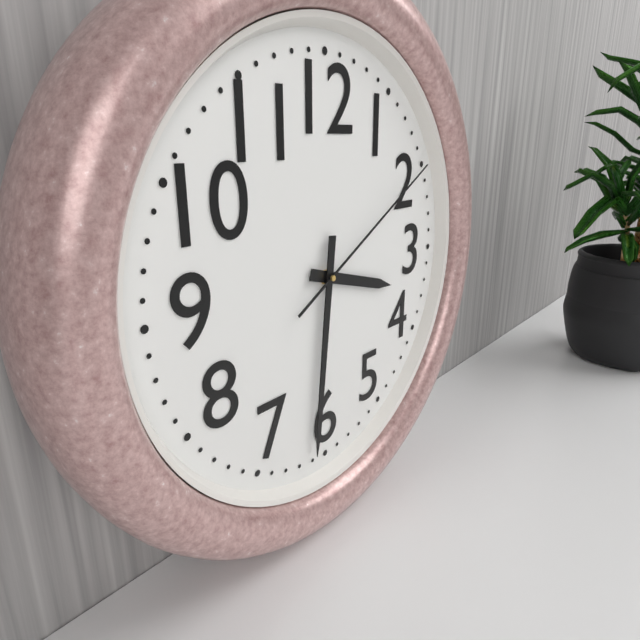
3:31:10
